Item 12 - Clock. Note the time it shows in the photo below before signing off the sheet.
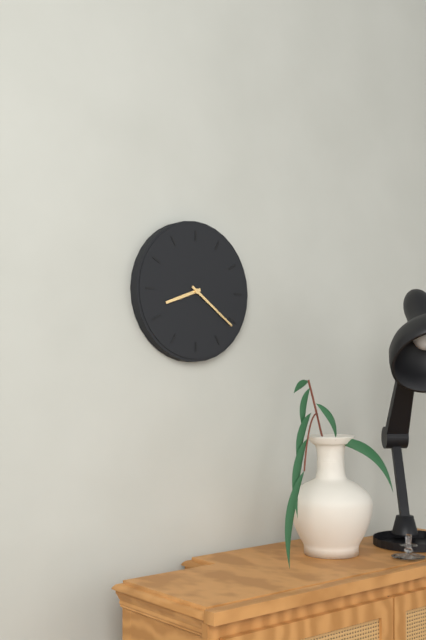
8:21
